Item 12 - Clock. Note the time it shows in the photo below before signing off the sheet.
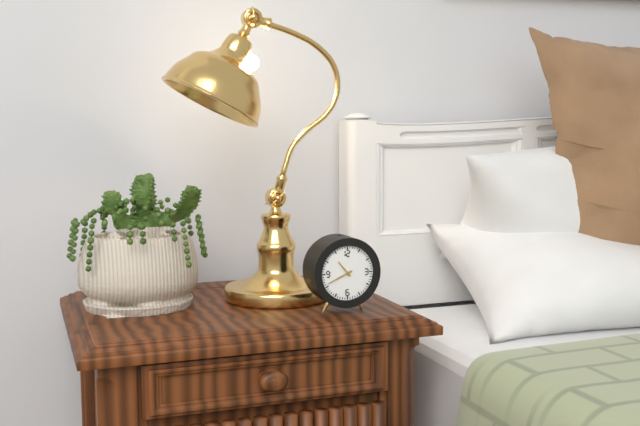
10:41
